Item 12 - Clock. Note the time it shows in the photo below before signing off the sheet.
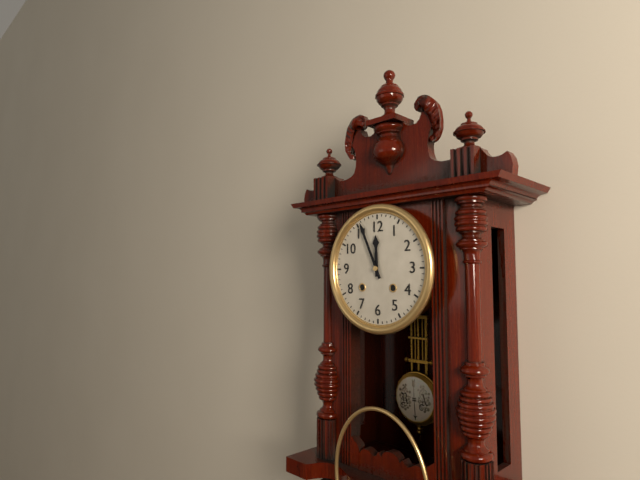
11:56
